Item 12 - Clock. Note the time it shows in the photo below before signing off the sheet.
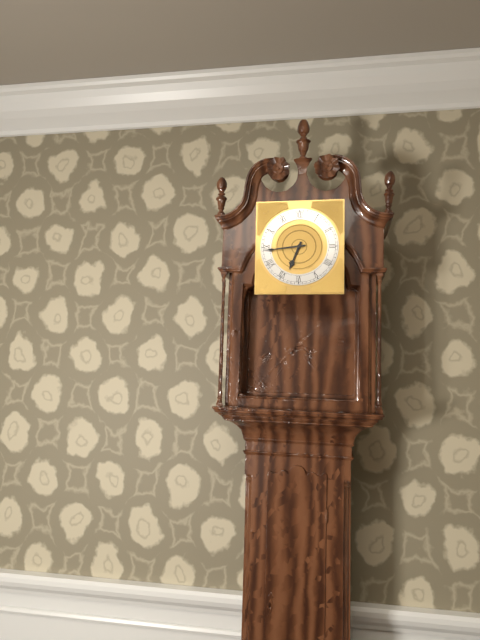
6:44
